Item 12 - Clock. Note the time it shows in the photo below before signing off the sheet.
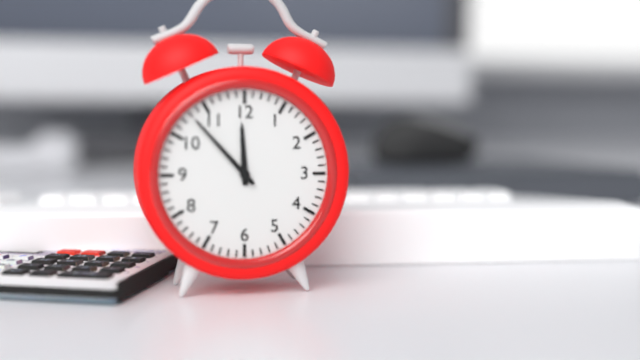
11:53
